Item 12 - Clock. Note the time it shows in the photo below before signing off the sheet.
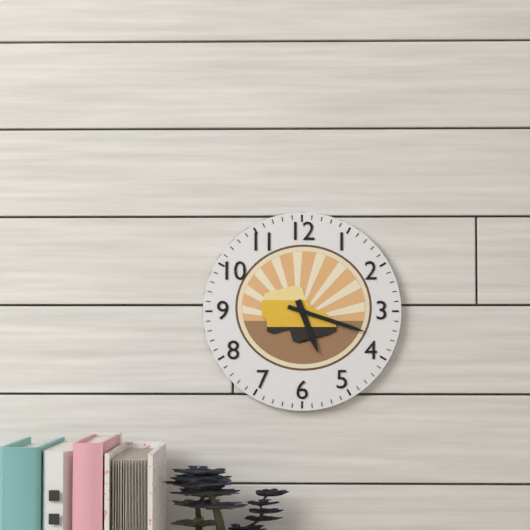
5:18
